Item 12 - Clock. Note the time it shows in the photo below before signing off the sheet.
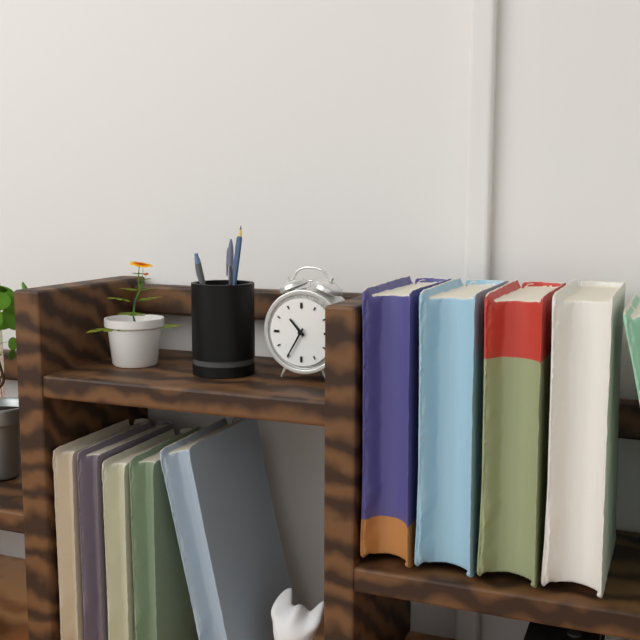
10:35
